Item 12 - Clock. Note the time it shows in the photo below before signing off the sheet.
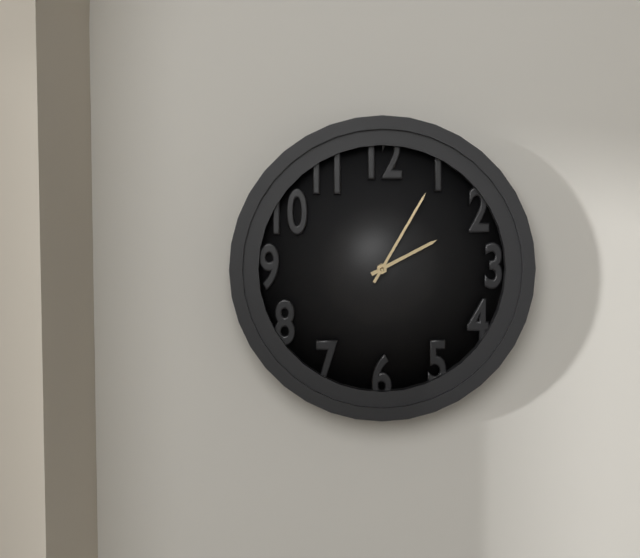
2:05
